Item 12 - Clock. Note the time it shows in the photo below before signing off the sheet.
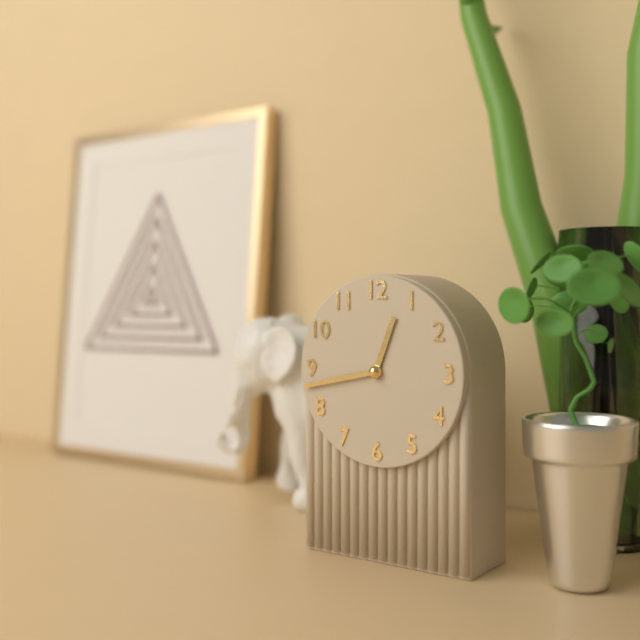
12:43
